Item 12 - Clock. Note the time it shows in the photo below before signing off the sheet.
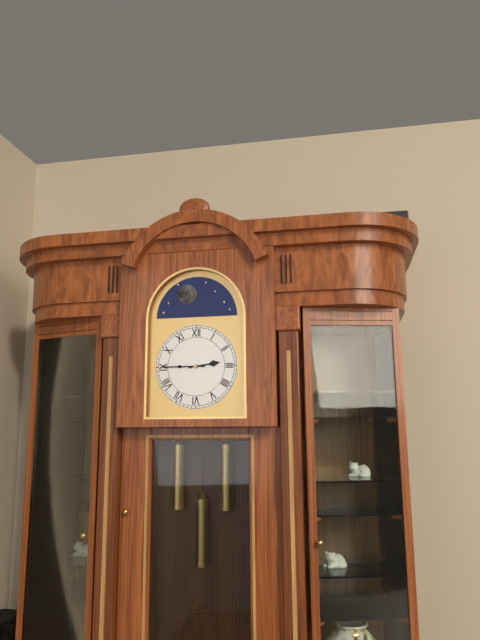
2:45
